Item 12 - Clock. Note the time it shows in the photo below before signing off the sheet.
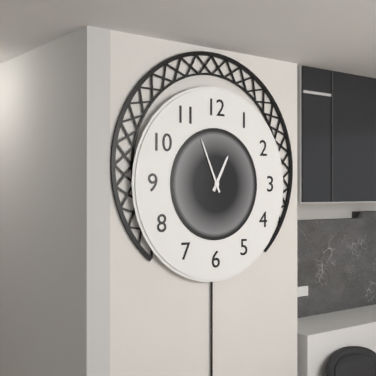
12:56
